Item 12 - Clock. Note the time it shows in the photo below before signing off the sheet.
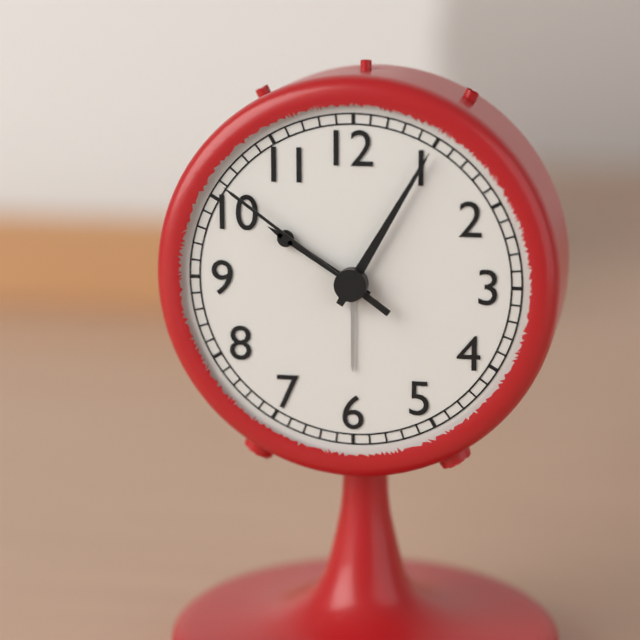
10:05:51
